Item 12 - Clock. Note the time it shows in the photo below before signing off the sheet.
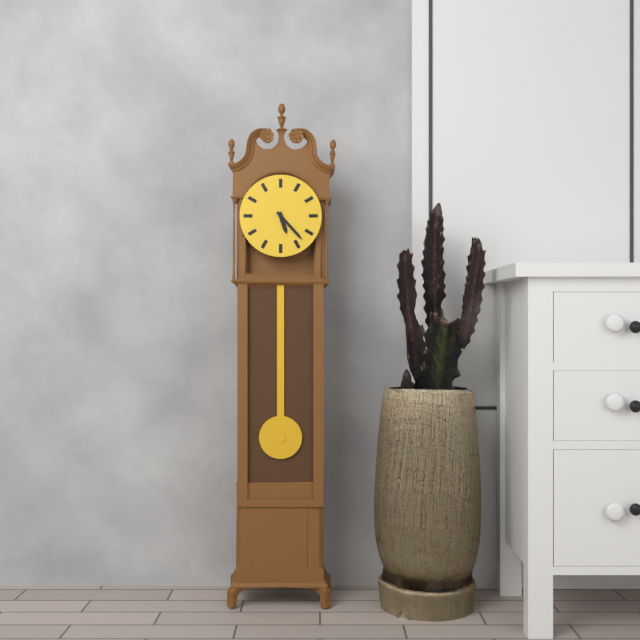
5:23
